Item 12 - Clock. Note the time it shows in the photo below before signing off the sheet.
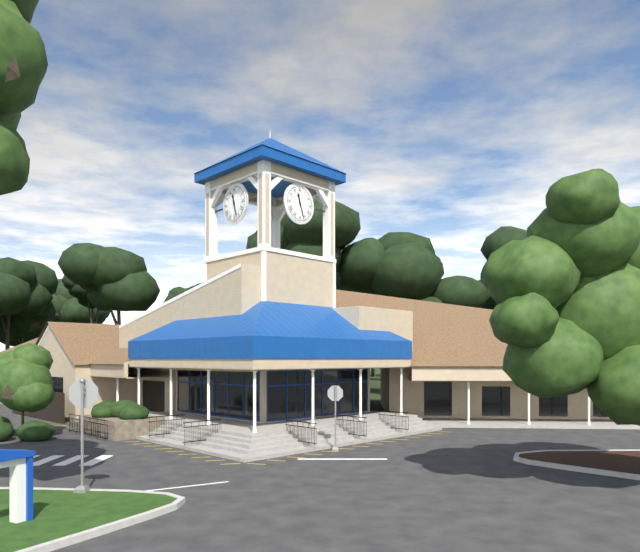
11:27
